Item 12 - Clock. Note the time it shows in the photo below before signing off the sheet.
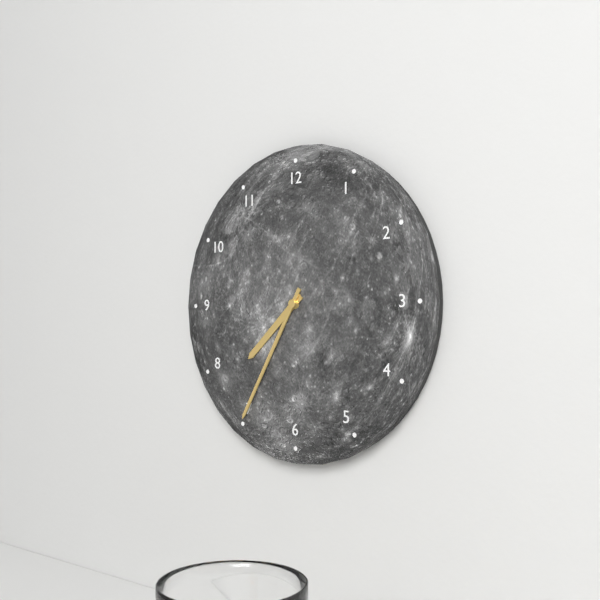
7:35
